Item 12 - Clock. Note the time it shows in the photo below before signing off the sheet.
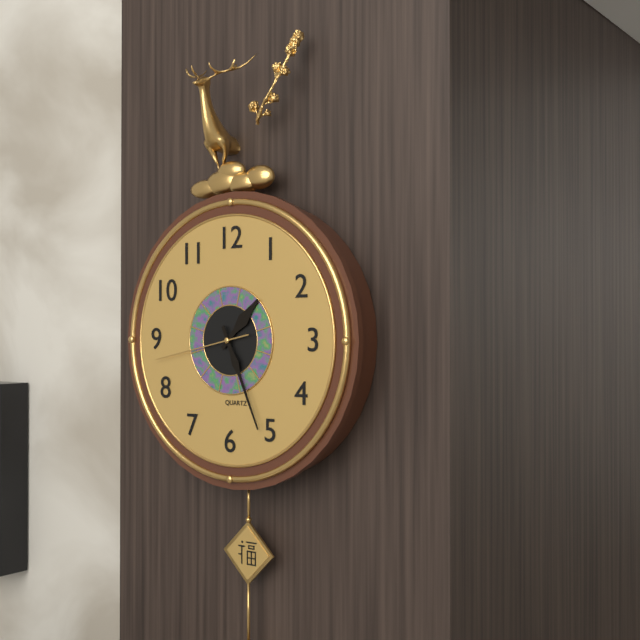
1:26:43
